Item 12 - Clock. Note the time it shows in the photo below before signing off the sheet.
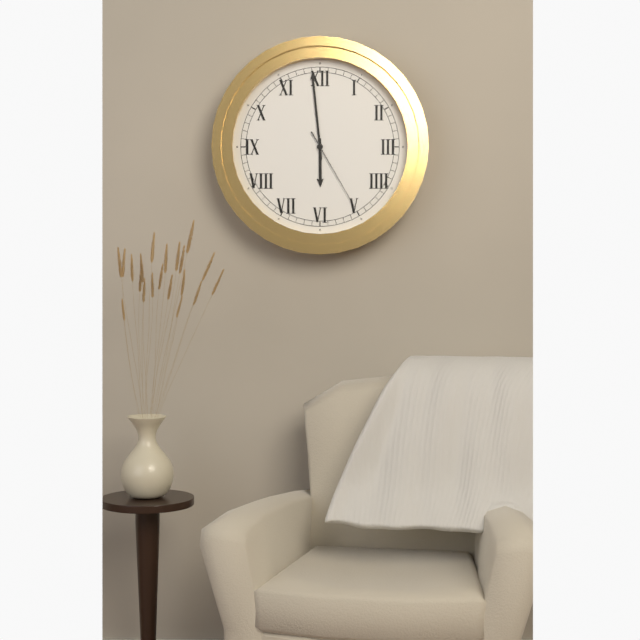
5:59:25
